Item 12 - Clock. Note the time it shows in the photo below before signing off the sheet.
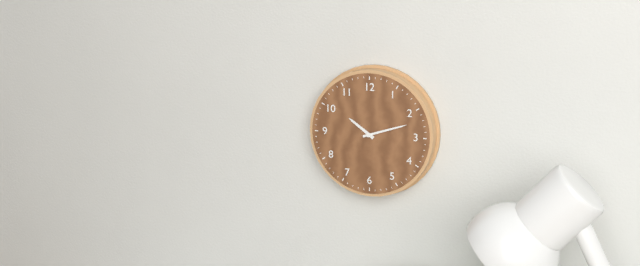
10:12
